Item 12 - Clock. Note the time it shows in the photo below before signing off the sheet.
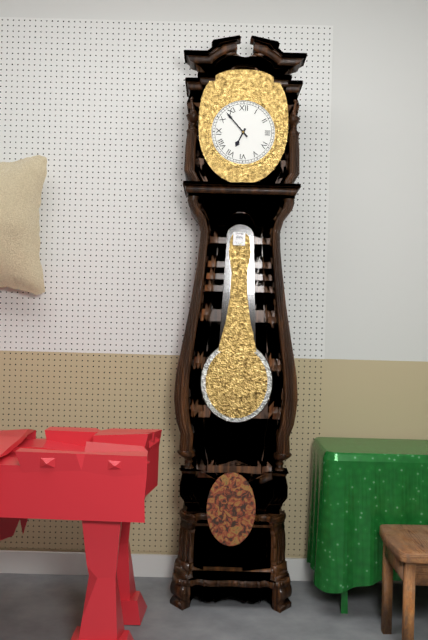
6:53
